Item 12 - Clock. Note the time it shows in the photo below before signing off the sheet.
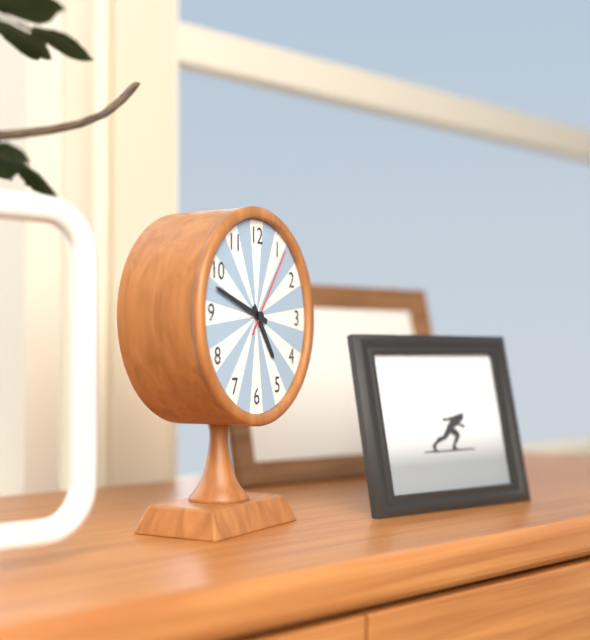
4:48:06
